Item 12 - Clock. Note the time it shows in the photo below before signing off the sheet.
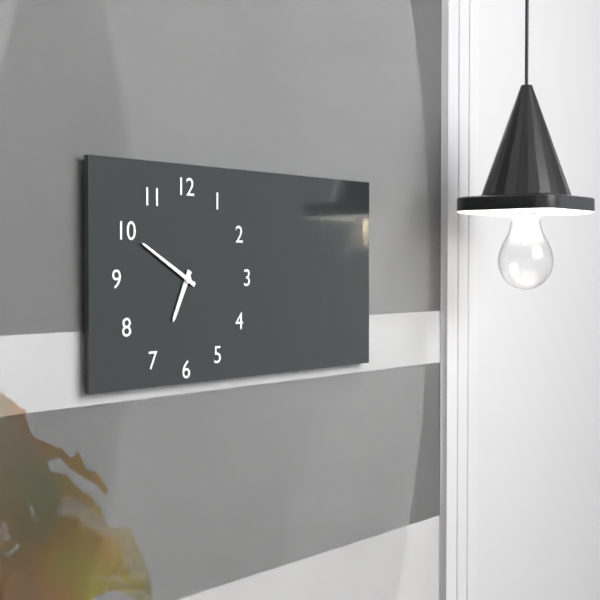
6:50
